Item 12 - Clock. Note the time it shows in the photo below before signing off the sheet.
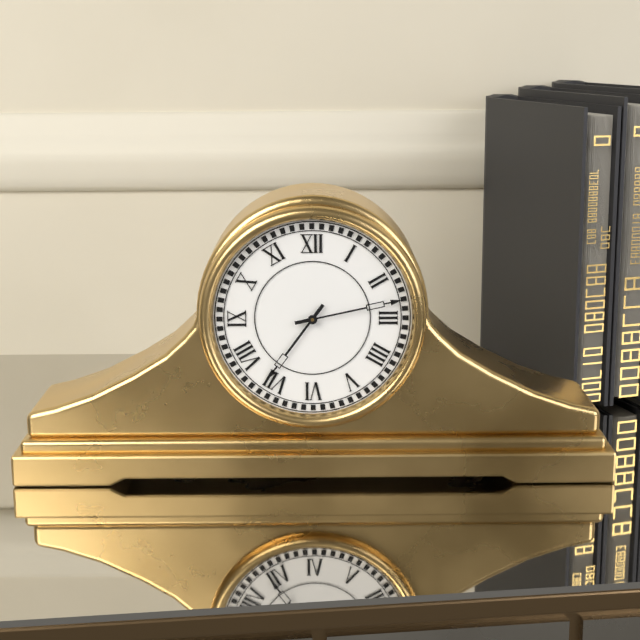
7:13
